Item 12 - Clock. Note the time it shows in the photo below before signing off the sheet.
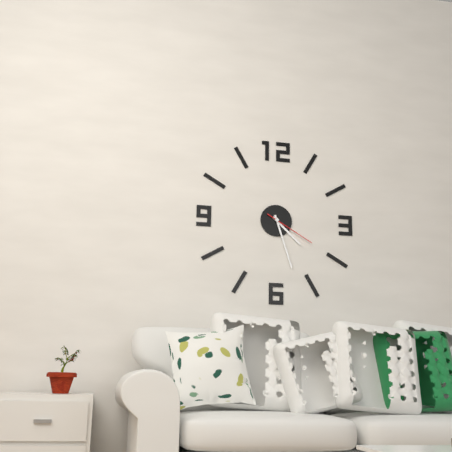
4:27:20
